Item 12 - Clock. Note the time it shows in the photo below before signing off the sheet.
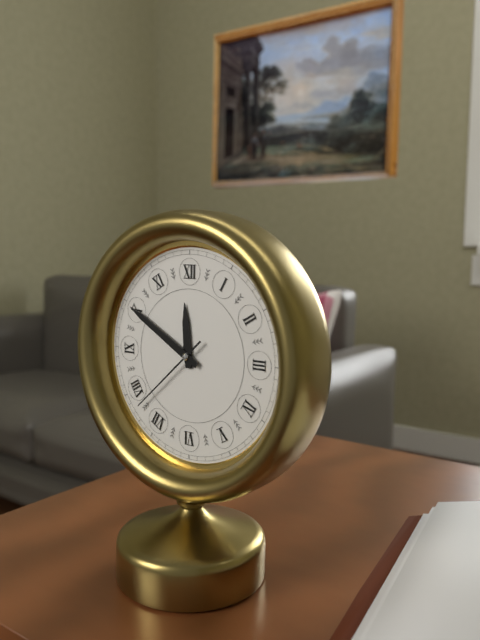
11:50:38
